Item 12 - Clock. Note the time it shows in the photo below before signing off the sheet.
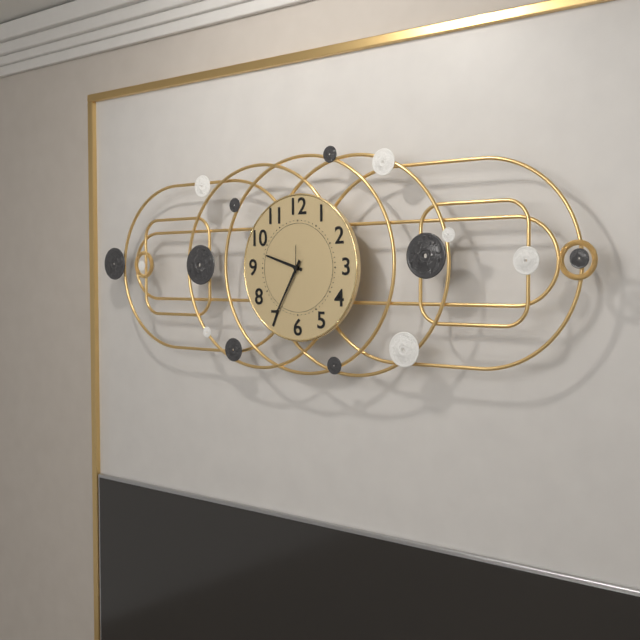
9:35
